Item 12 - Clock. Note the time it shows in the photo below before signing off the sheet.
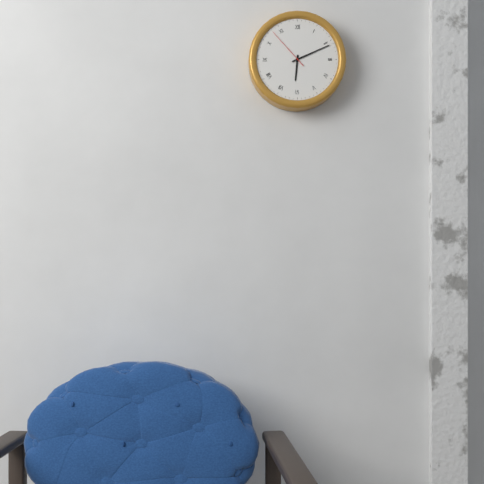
6:11
